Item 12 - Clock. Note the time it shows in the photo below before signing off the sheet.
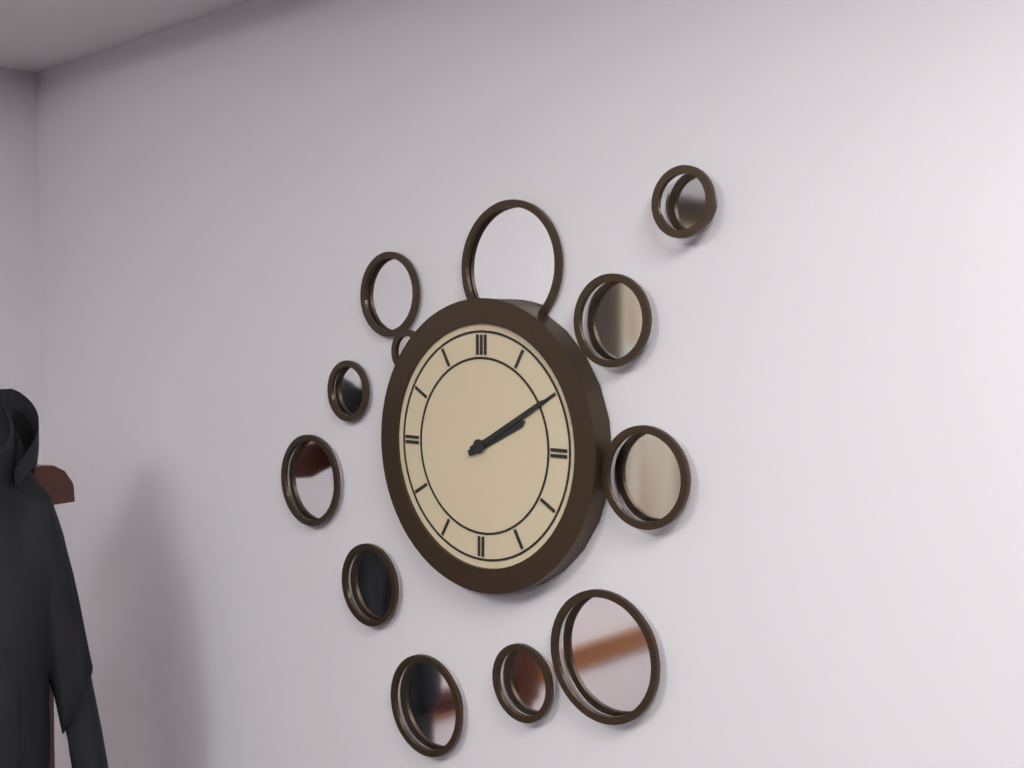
2:10
